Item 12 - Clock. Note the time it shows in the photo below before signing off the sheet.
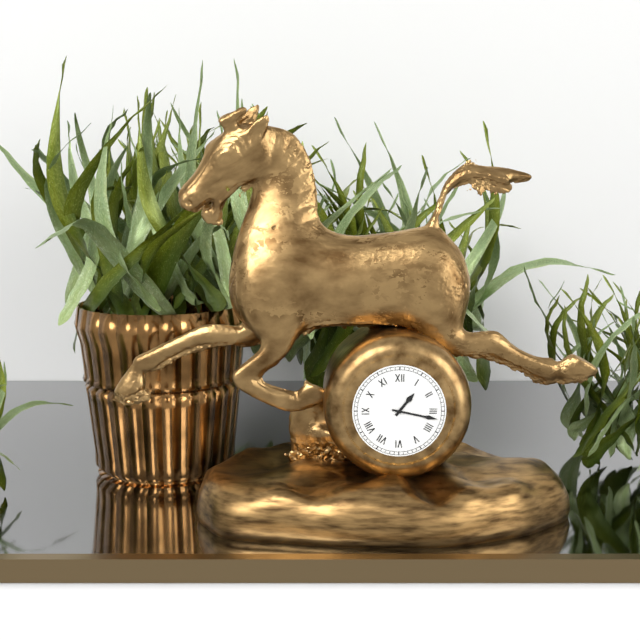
1:17
